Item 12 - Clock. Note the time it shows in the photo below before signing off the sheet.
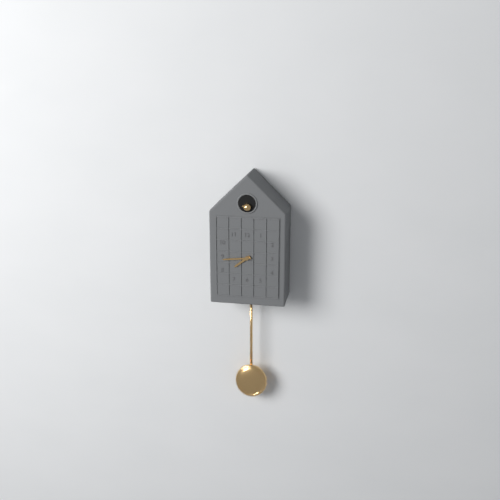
7:44
